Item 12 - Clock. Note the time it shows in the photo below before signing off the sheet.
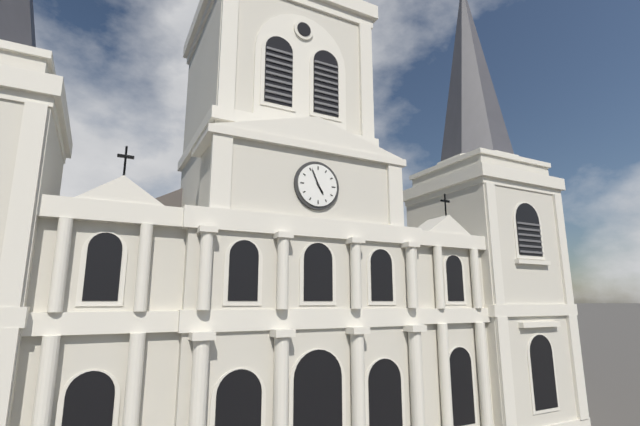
4:56
